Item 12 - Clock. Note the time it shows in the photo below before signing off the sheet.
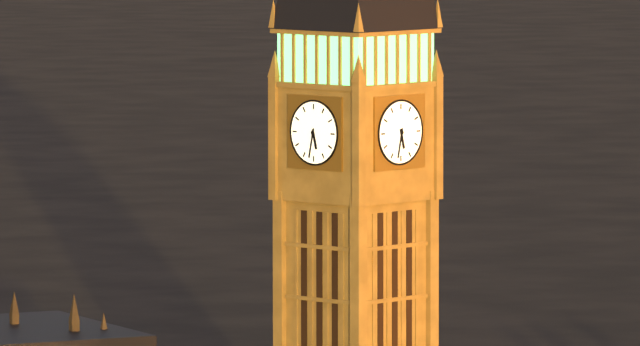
5:32
